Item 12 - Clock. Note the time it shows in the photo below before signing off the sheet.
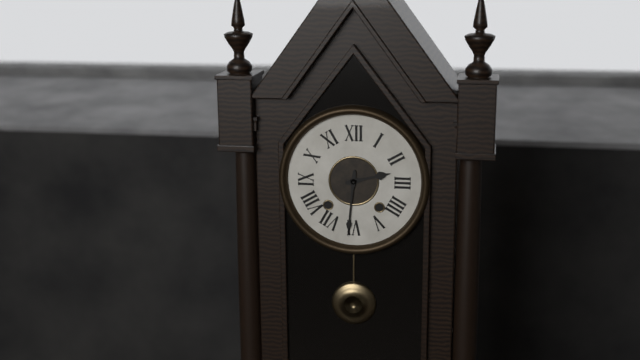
2:31
